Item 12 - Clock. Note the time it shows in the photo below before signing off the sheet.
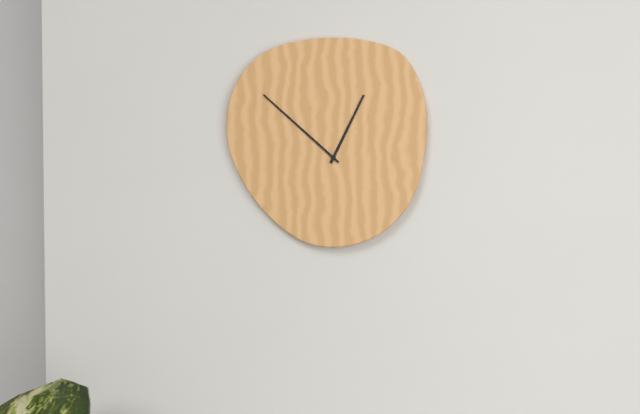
12:52
